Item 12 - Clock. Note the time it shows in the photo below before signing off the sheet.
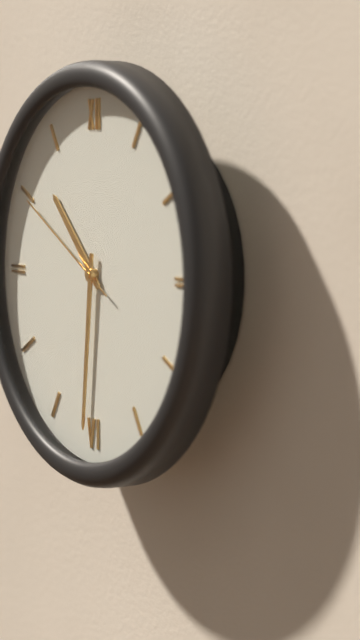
10:31:50
